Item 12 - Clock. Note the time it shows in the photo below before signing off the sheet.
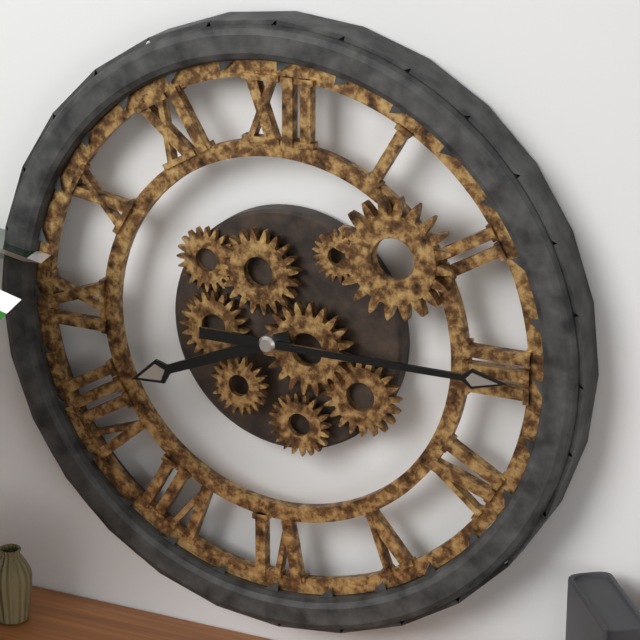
8:15
